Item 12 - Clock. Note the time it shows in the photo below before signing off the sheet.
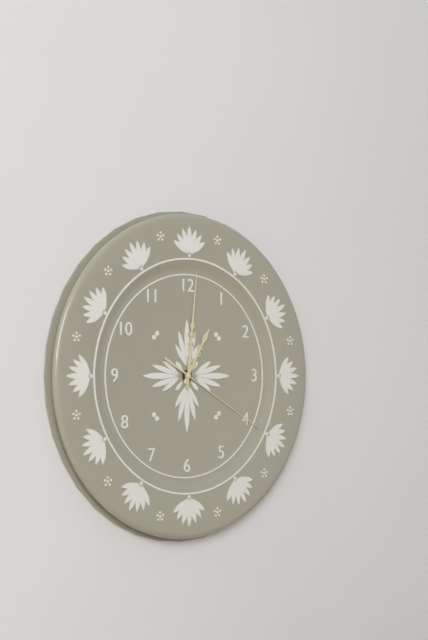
1:01:20
